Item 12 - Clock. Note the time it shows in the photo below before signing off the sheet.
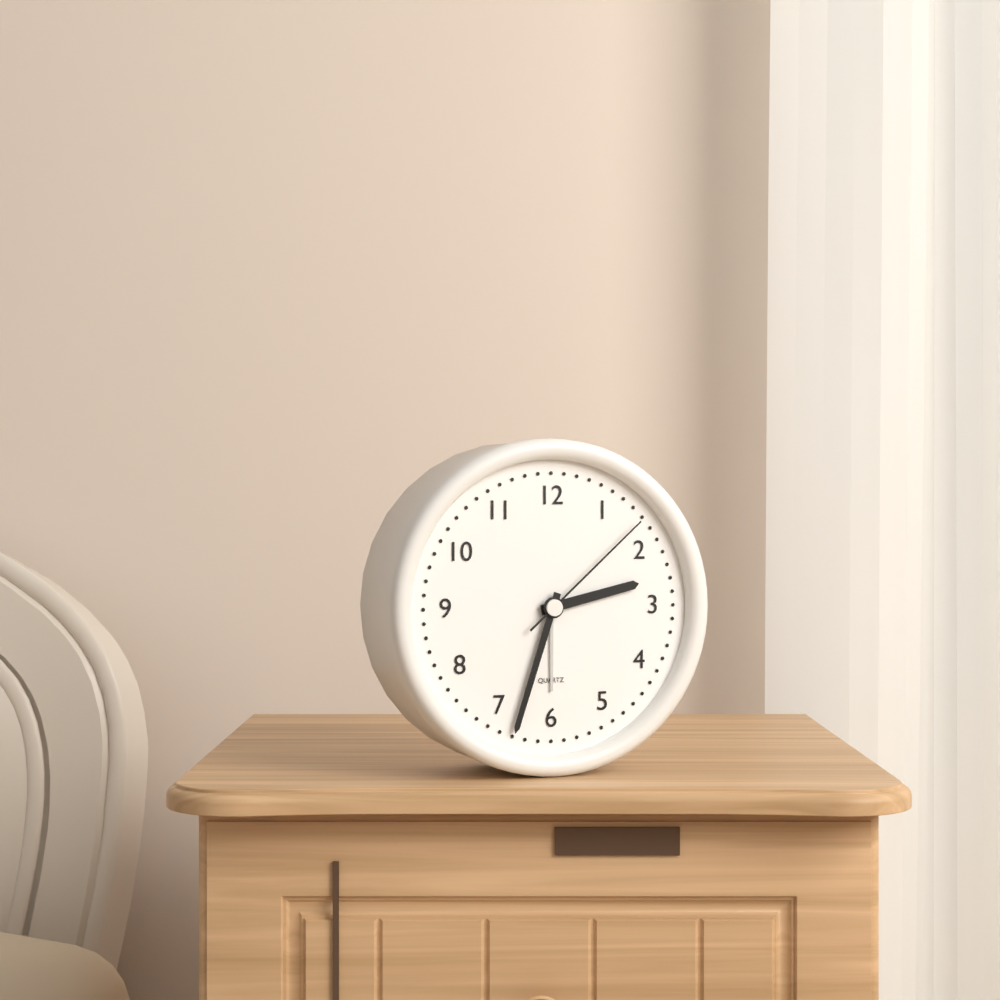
2:33:08
